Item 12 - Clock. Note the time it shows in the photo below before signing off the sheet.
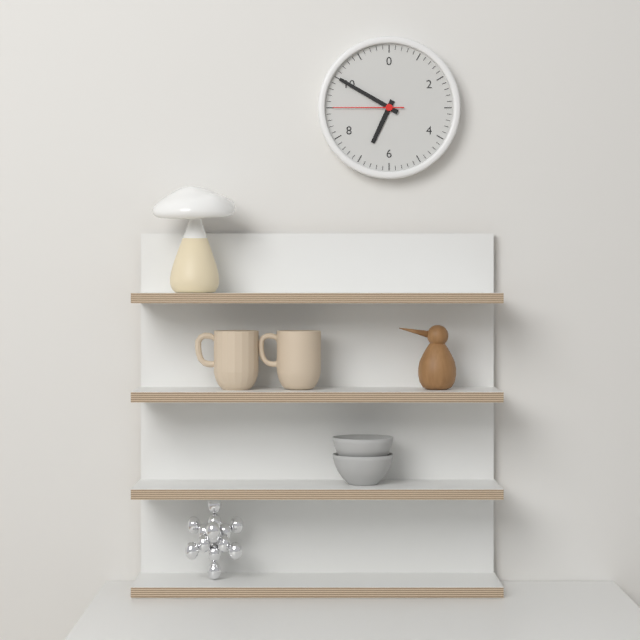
6:50:45
